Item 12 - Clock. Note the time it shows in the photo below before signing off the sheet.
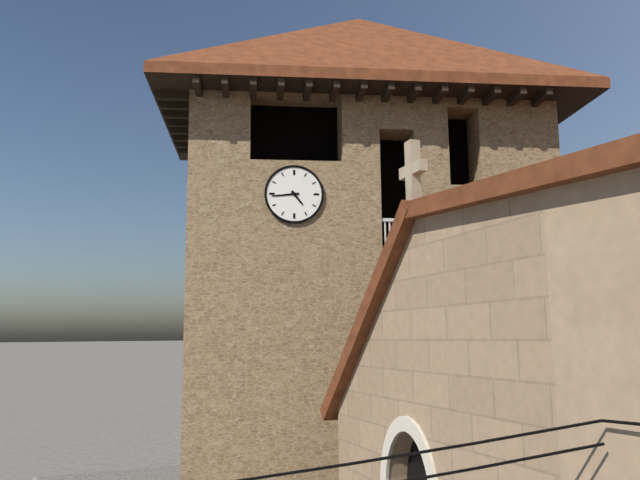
4:44
